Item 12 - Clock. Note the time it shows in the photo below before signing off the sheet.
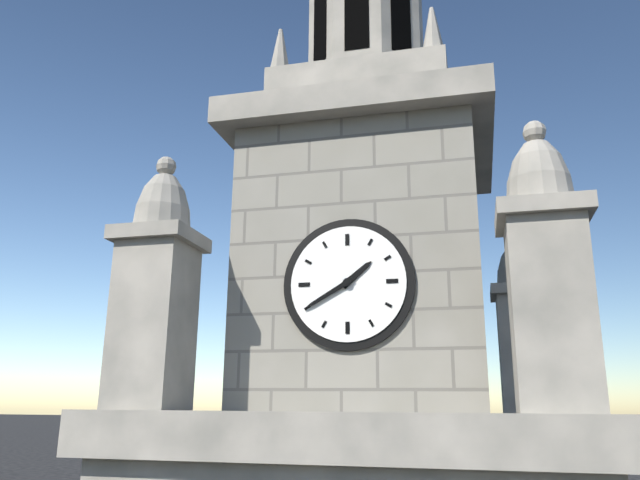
1:40
